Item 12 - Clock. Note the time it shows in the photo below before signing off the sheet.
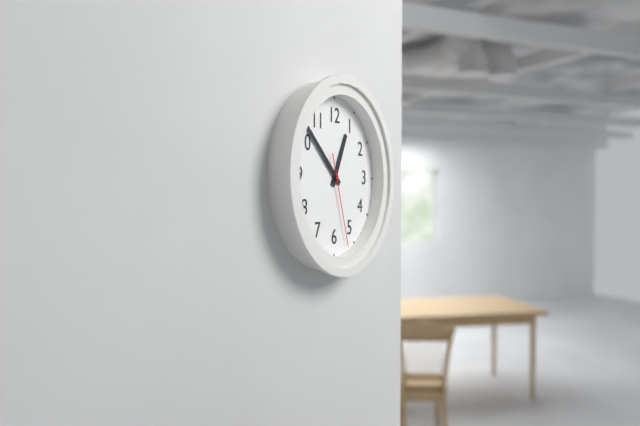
12:52:27
